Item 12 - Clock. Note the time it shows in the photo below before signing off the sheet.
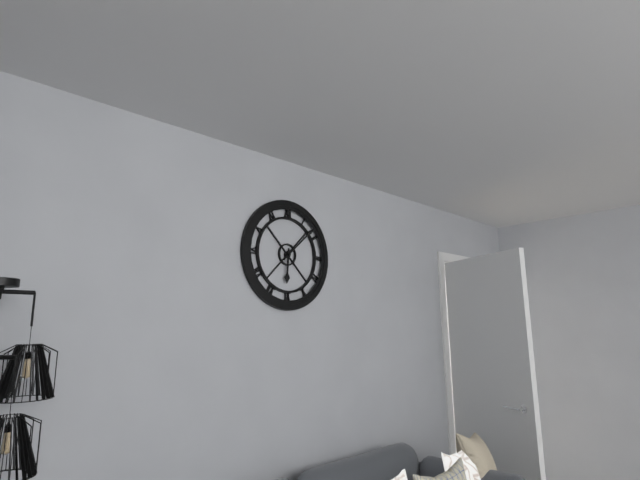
6:08
